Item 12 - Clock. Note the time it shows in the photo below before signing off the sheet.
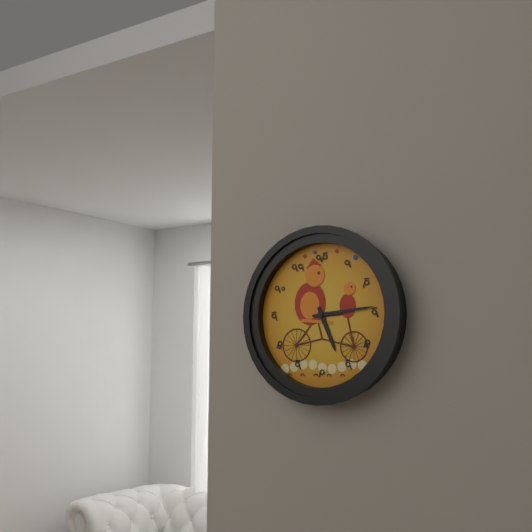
5:14
